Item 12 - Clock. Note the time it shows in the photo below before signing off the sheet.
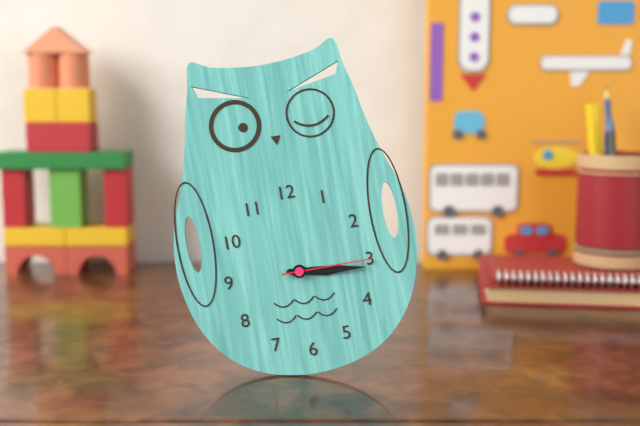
3:16:15
